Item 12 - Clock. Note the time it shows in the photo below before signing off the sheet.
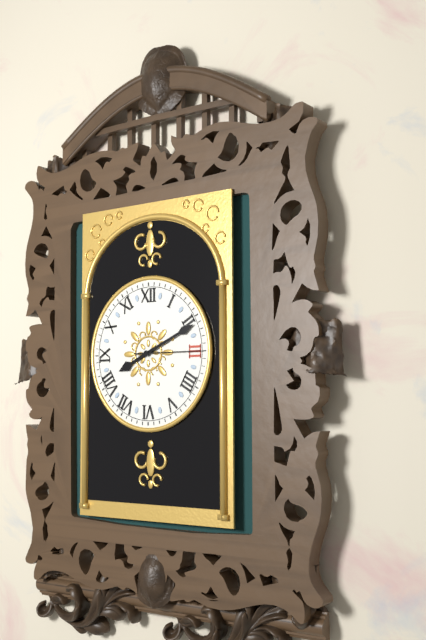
8:11:15
